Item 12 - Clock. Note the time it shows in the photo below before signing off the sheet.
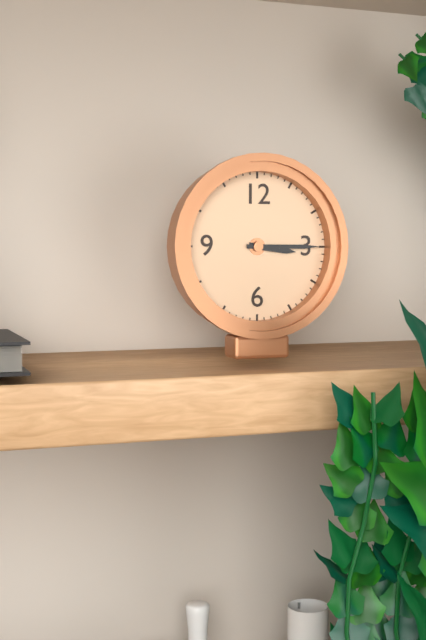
3:15
